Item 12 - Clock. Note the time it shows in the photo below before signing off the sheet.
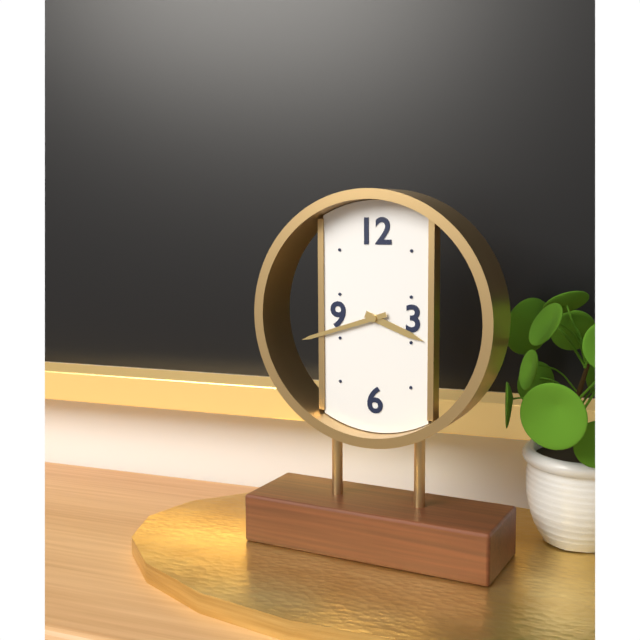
3:42
